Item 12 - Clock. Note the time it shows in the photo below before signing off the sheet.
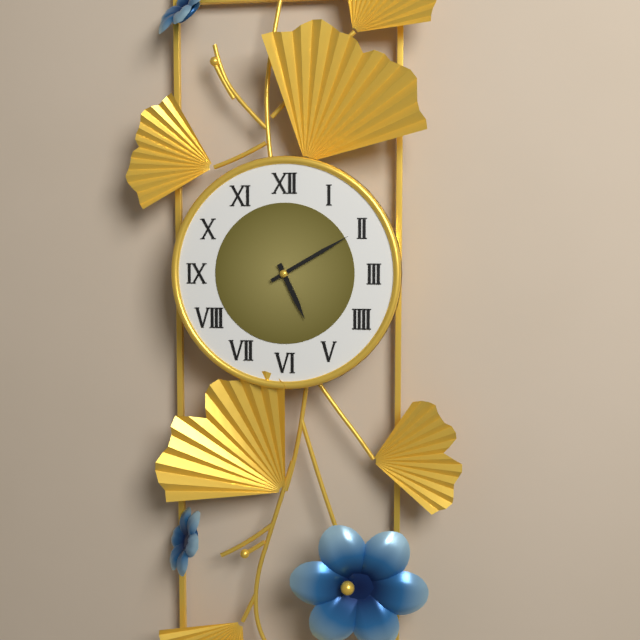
5:10
